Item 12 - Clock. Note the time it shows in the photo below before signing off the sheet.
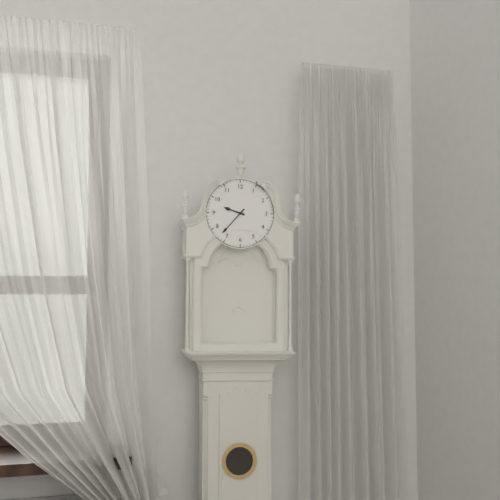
9:37
